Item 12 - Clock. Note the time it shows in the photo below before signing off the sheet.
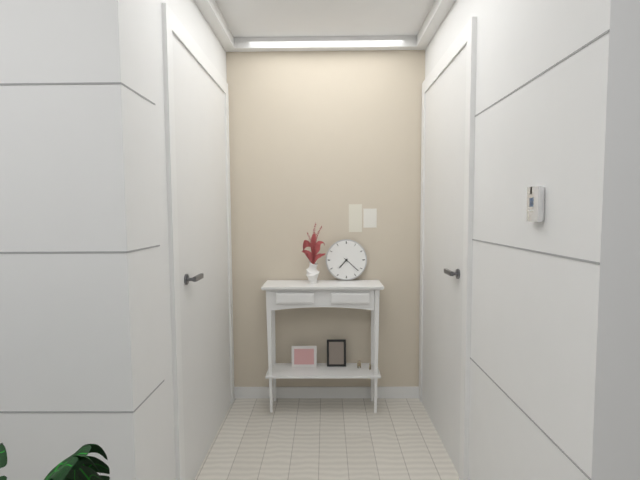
7:22
